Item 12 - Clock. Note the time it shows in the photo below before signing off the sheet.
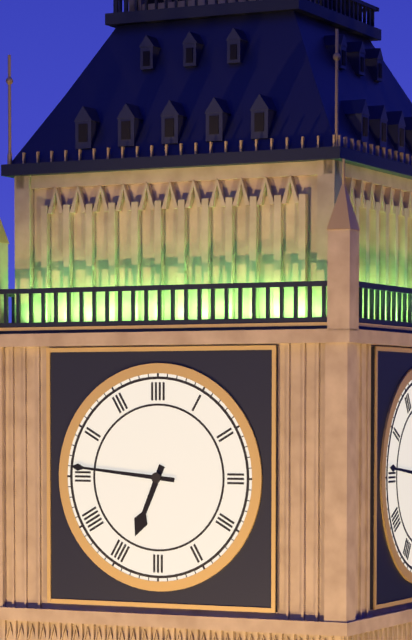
6:46
